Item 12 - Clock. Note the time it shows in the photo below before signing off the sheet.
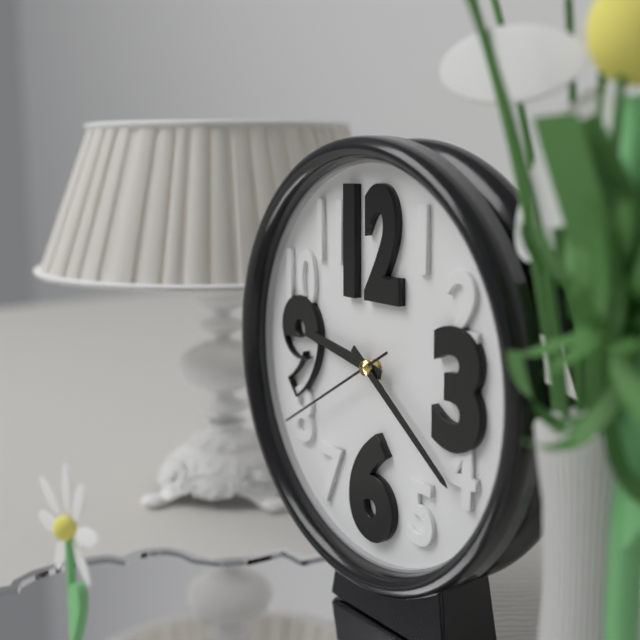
9:21:40
